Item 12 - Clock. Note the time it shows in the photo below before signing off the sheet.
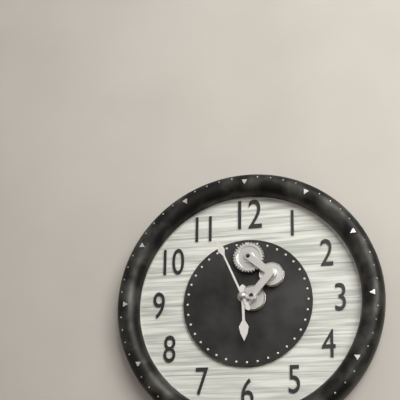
5:56
